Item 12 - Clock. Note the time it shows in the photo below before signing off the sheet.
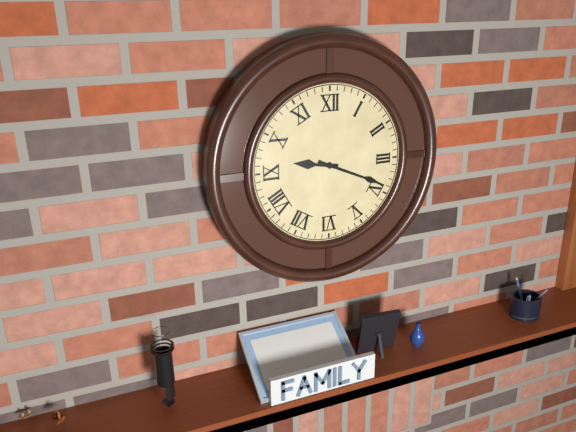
9:19
